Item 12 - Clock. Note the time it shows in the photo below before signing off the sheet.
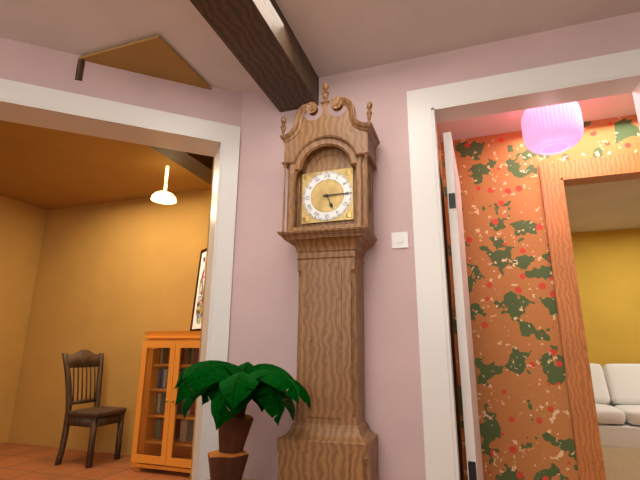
5:15
